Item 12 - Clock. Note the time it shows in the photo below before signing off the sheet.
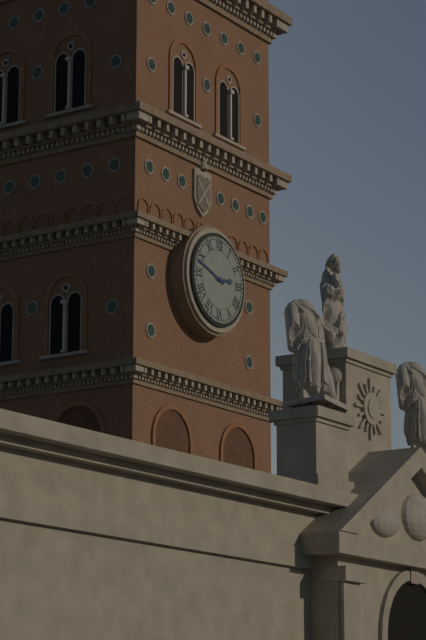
2:48
